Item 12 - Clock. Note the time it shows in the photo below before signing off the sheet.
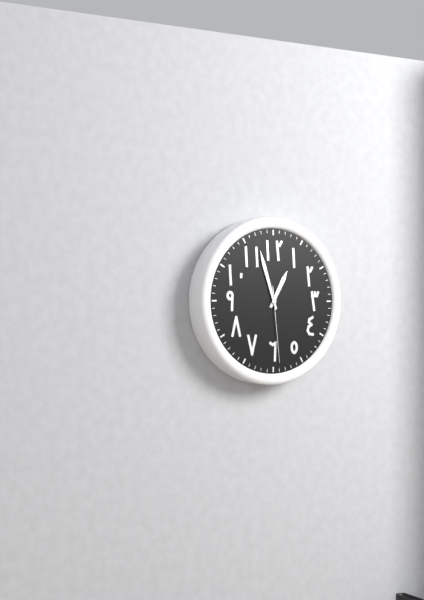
12:57:29
